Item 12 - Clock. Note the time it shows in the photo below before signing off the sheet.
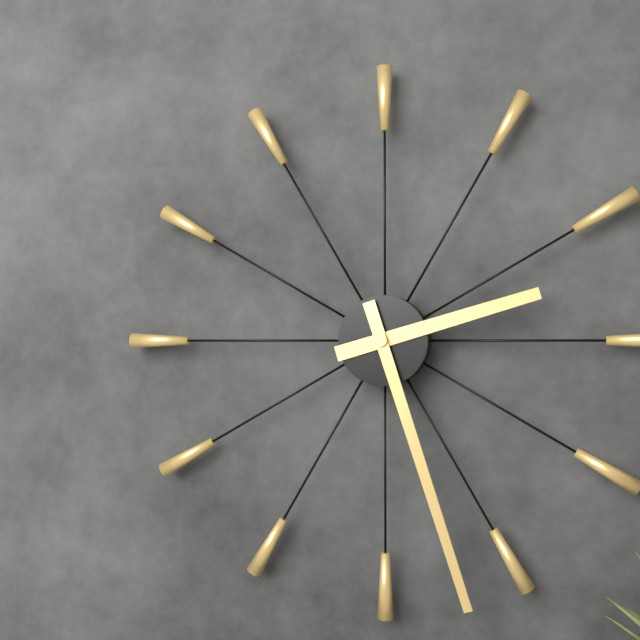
2:27
